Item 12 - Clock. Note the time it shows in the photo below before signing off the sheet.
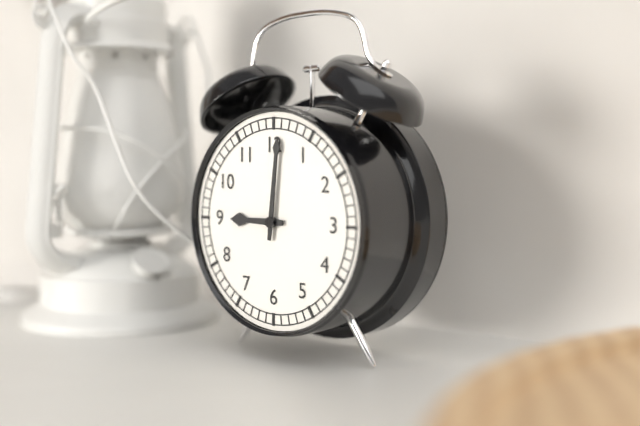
9:01
